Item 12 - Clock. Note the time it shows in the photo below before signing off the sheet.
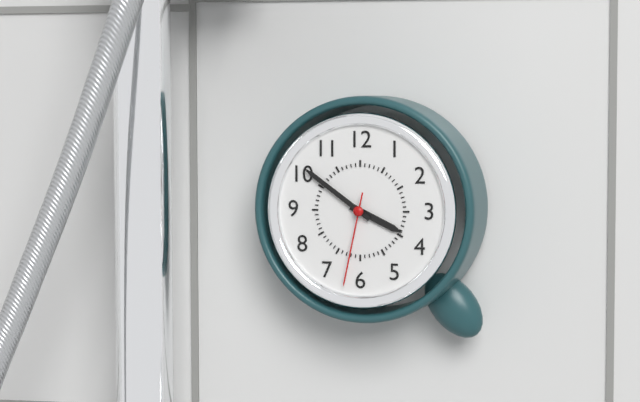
3:51:32
